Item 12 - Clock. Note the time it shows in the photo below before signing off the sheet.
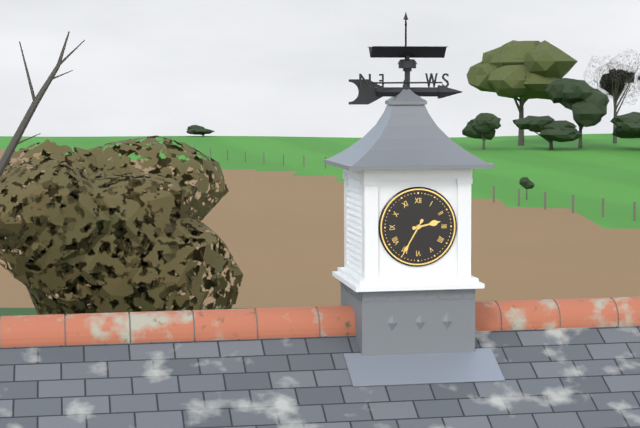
2:35
